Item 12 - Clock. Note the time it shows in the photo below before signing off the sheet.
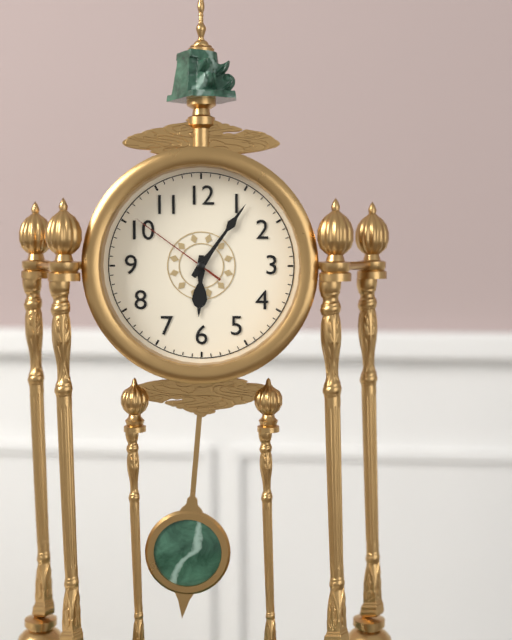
6:06:51
